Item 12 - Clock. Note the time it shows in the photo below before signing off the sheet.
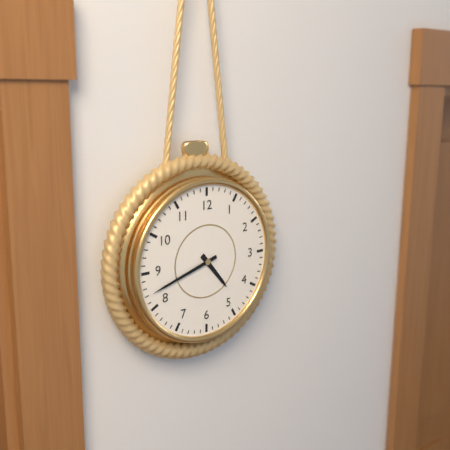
4:42
